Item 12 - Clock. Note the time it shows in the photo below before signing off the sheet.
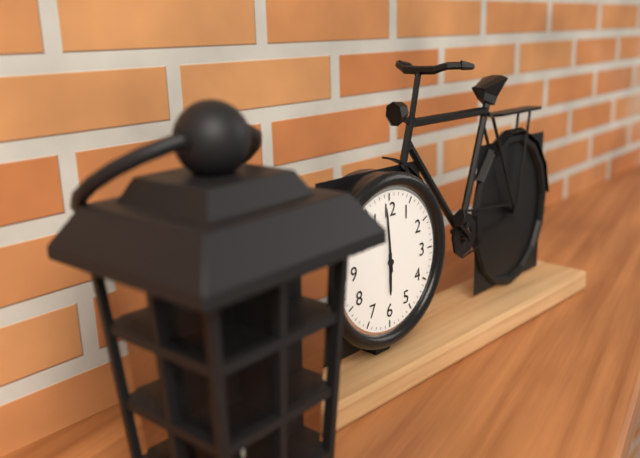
5:59
